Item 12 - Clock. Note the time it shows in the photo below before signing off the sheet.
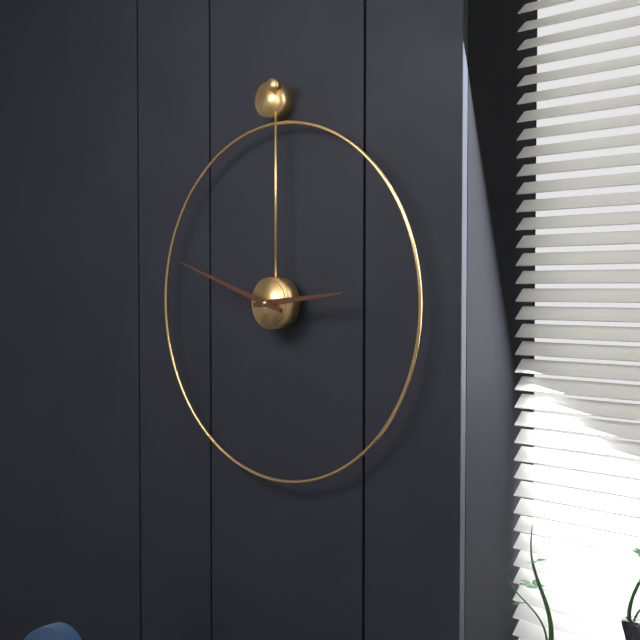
2:48
